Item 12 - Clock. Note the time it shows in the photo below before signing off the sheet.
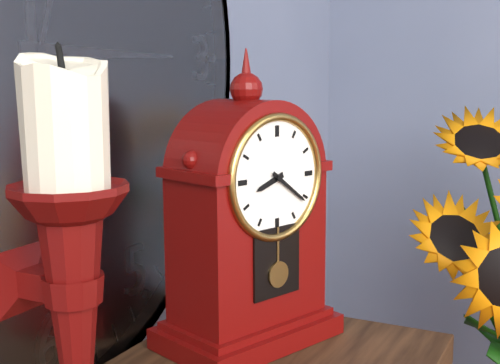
8:21
